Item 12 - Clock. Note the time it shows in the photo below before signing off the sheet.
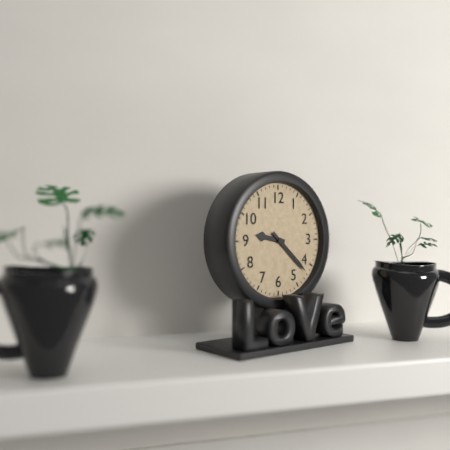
9:22
